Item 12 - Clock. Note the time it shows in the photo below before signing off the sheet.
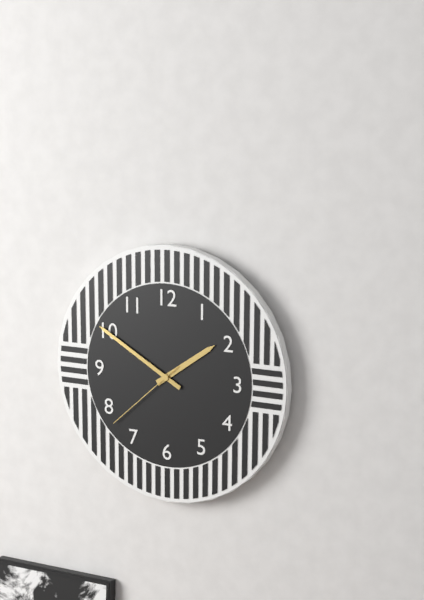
1:50:38
